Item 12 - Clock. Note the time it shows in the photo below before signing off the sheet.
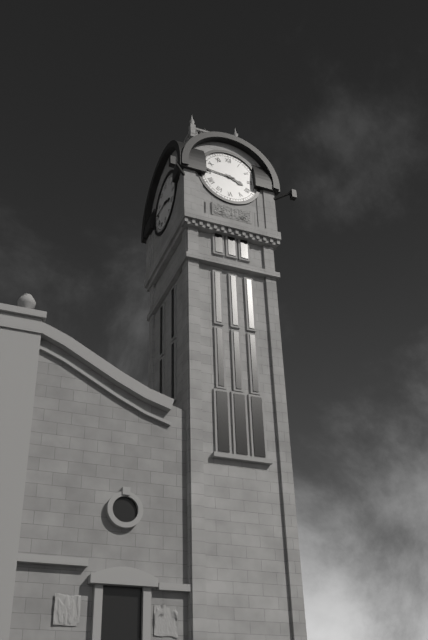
3:46
